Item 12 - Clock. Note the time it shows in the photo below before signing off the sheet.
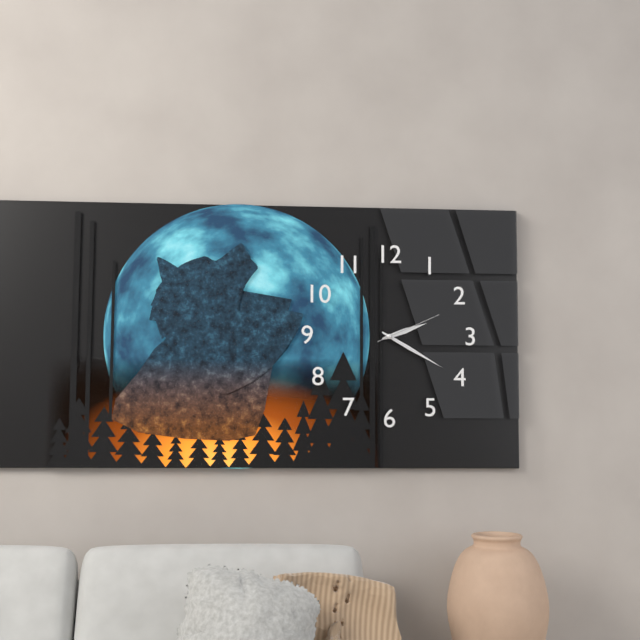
2:20:11
